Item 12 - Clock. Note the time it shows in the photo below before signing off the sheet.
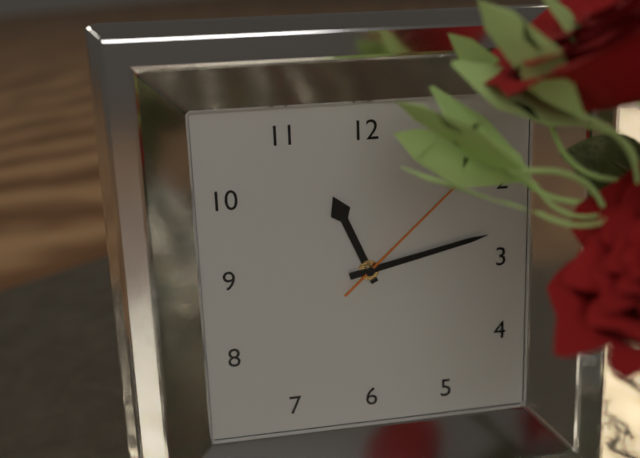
11:13:08
